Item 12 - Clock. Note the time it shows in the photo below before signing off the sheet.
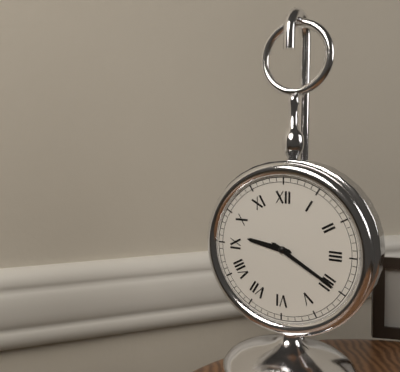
9:20
